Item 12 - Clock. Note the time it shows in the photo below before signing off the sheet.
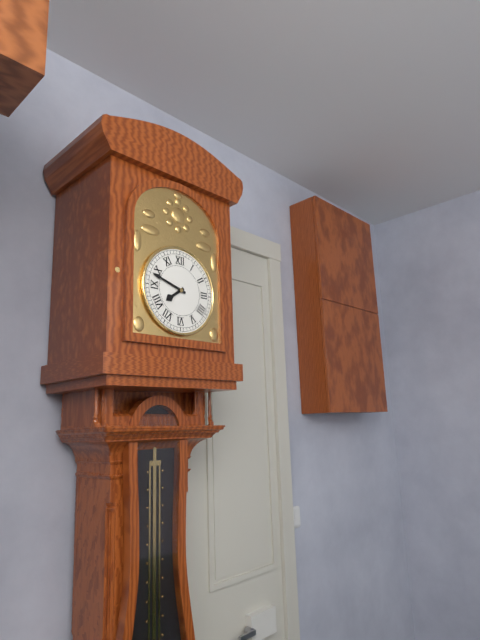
7:48
